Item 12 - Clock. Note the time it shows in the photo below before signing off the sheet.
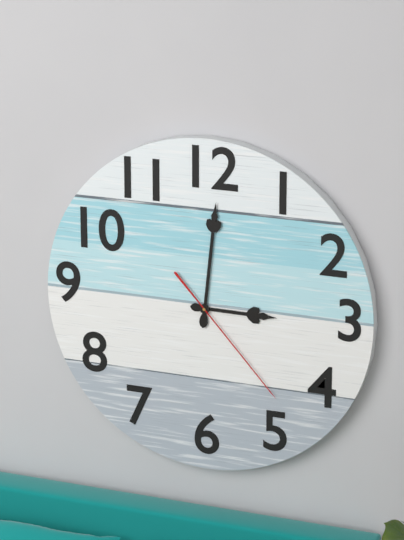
3:01:23
